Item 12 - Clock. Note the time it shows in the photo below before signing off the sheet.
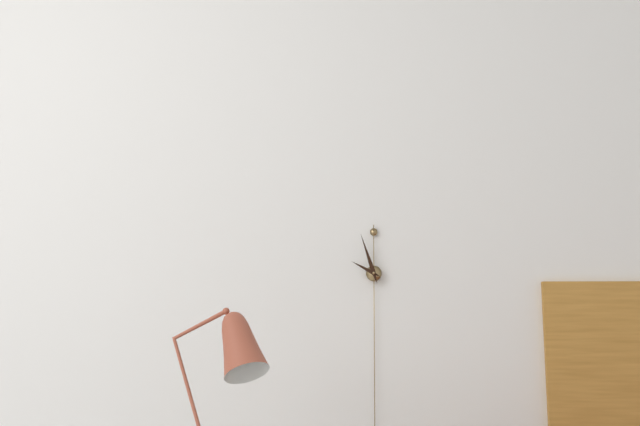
9:57
